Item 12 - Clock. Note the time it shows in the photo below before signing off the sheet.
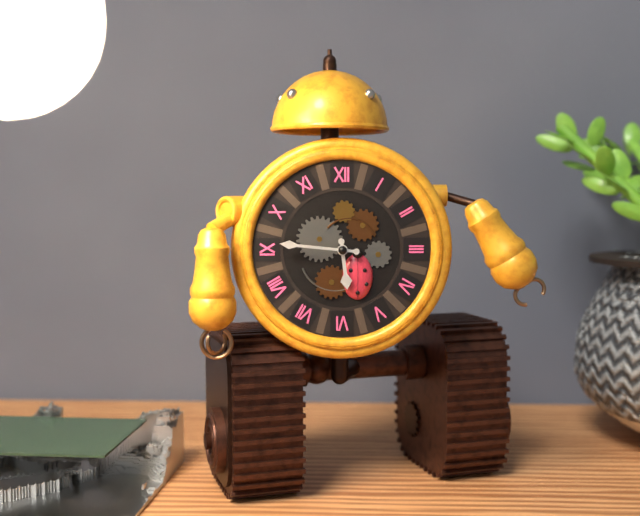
5:46
